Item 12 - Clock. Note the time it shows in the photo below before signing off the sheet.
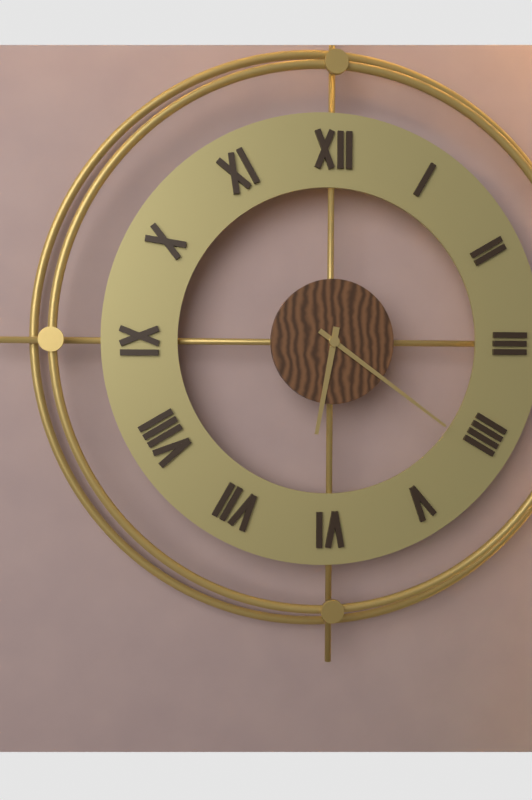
6:21
